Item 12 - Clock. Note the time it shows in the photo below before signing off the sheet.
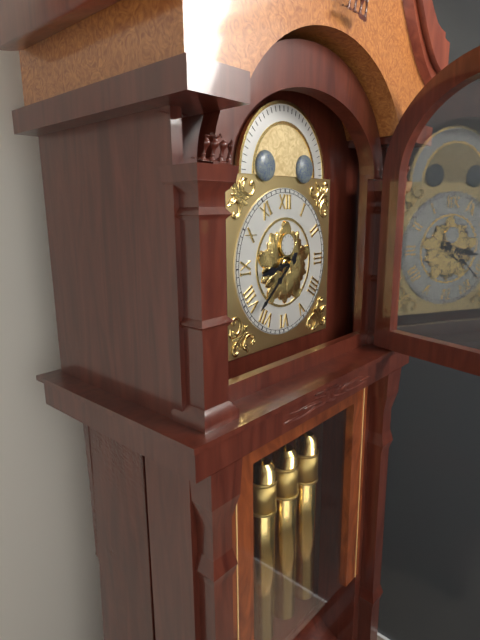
8:38
